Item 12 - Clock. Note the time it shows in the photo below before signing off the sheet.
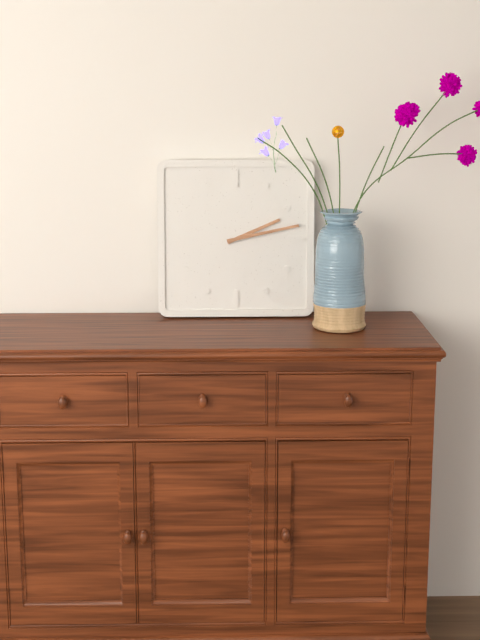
2:13
